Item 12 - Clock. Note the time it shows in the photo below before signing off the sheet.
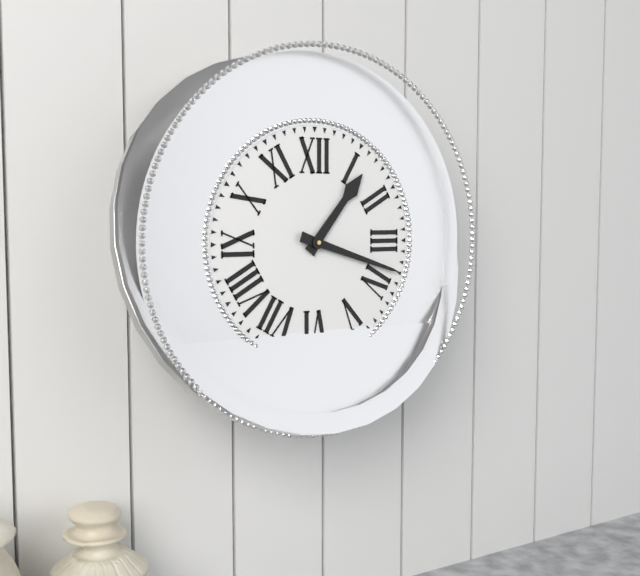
1:18
